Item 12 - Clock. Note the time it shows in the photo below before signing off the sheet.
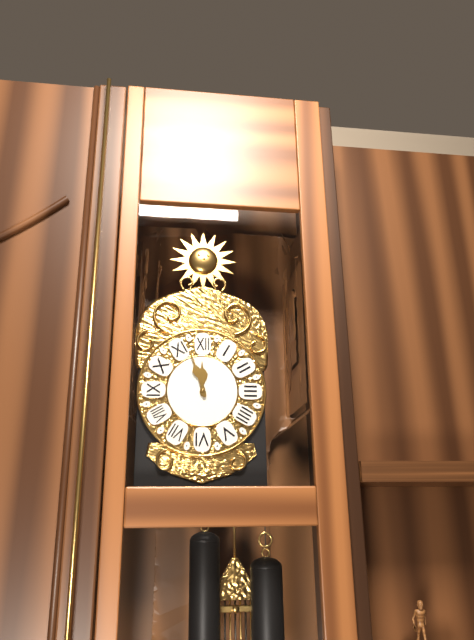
11:57
